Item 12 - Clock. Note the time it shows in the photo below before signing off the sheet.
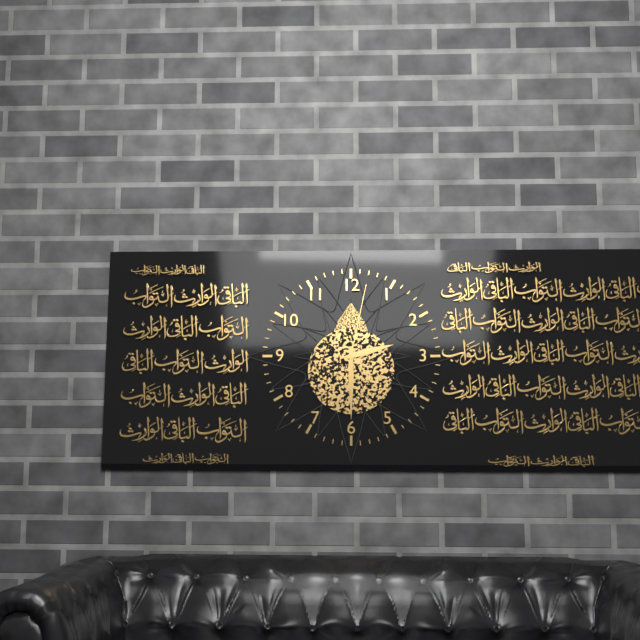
2:30:02
